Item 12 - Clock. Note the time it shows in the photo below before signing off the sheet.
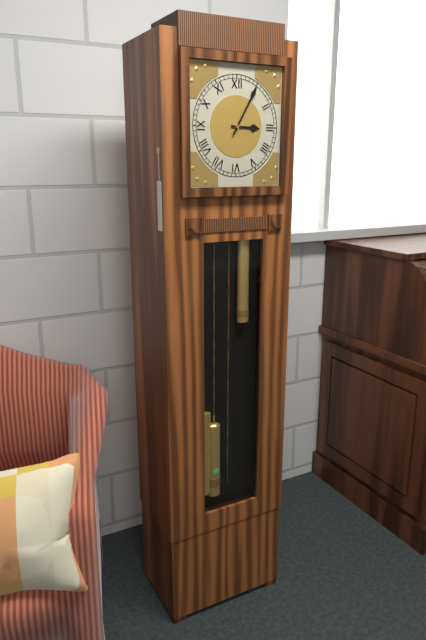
3:05
